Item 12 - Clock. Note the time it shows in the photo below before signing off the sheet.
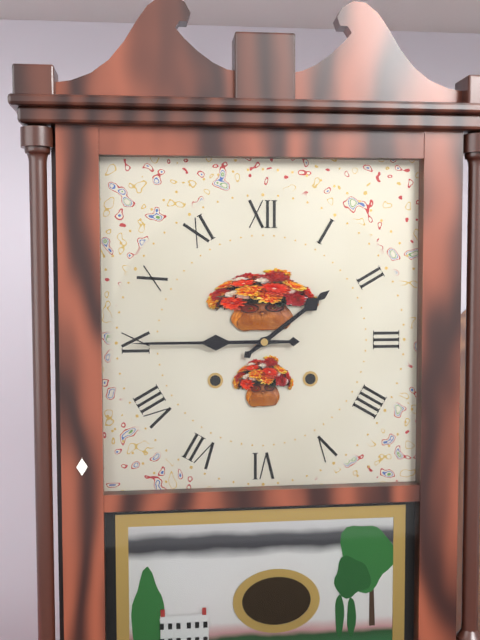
1:45
